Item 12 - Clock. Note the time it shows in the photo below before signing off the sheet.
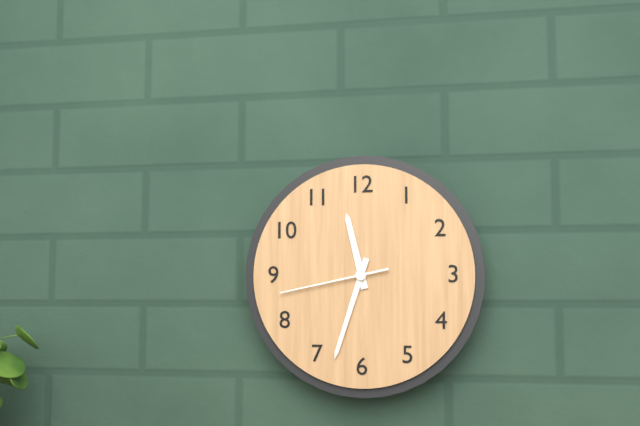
11:33:43
